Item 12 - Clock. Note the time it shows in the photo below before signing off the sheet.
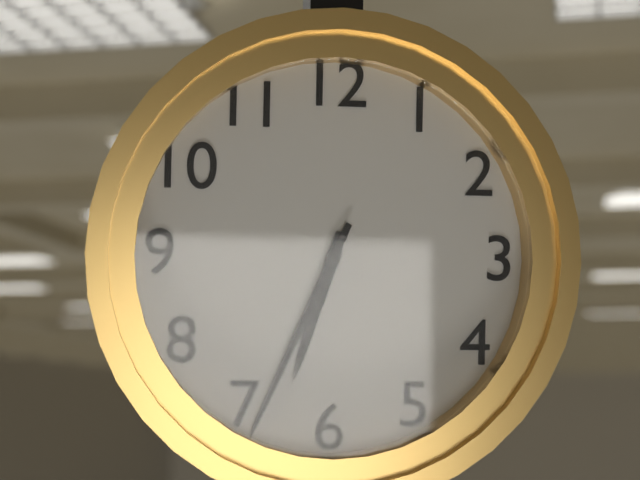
6:34
